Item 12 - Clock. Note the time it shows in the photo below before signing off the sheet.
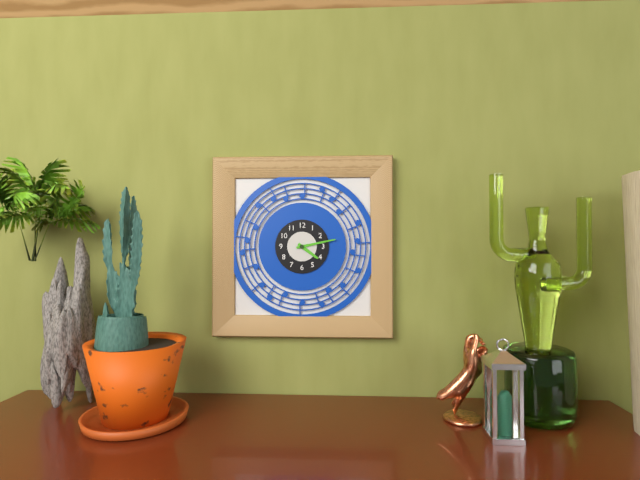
4:13
